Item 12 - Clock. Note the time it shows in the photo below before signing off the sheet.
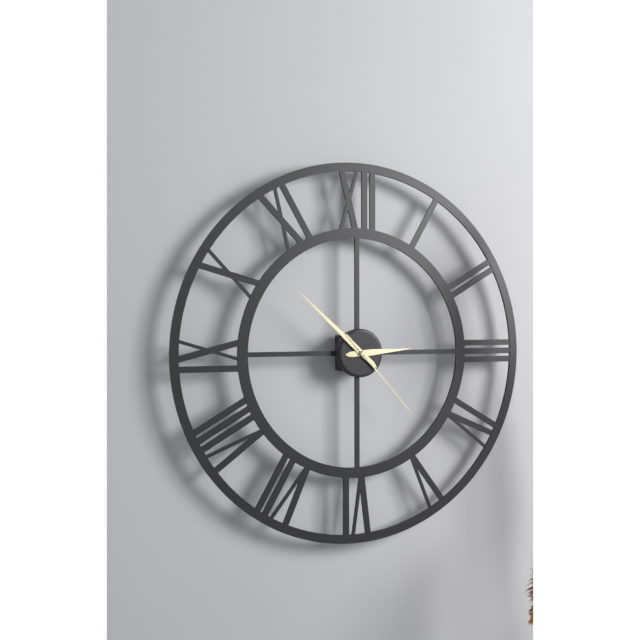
2:52:23
